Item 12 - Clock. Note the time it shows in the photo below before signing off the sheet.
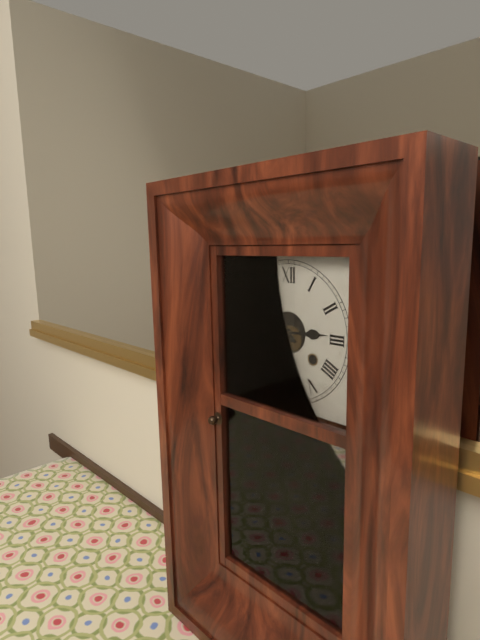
2:52
